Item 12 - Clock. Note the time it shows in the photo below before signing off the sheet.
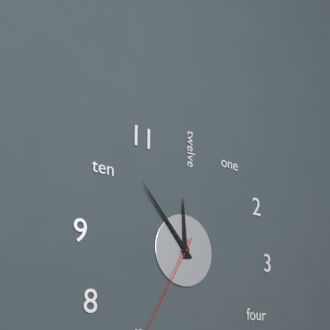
11:53
